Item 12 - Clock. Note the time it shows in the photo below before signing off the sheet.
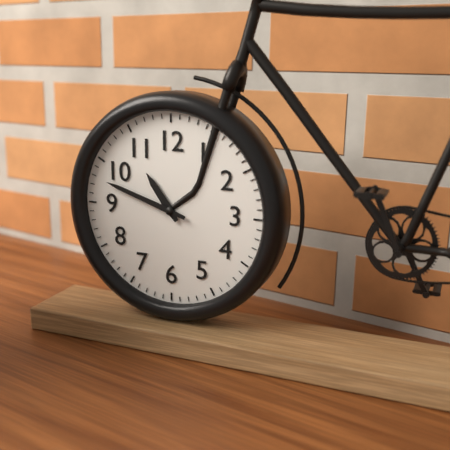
10:48
